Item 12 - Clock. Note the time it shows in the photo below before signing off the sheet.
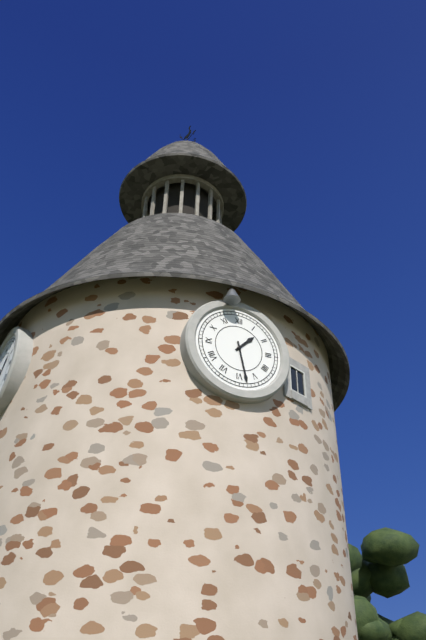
1:28
